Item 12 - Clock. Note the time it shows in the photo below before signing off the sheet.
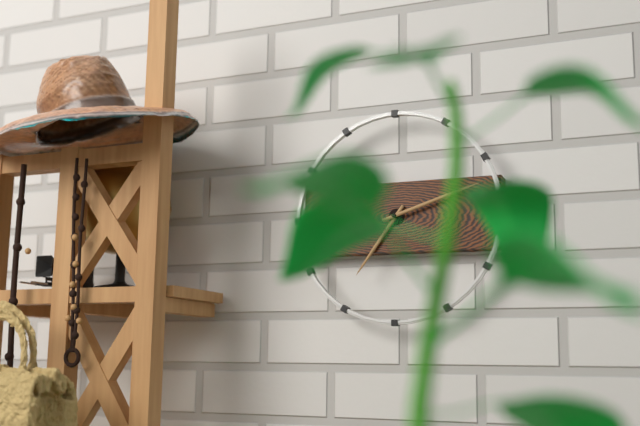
7:12
